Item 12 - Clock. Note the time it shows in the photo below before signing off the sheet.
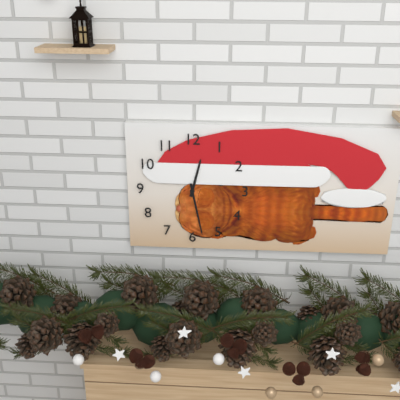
12:28
